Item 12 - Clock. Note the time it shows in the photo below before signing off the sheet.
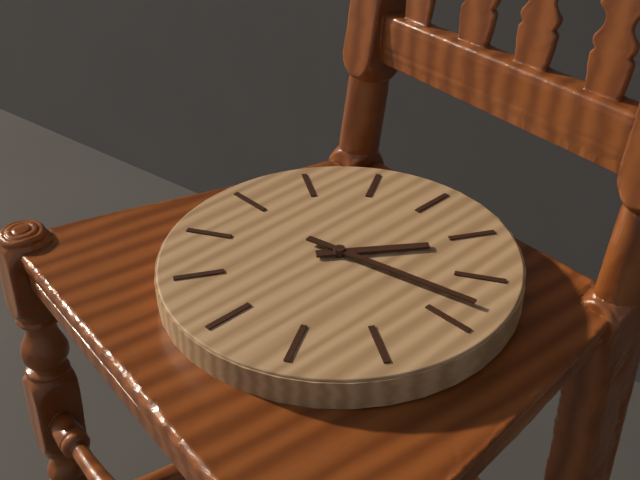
1:13
